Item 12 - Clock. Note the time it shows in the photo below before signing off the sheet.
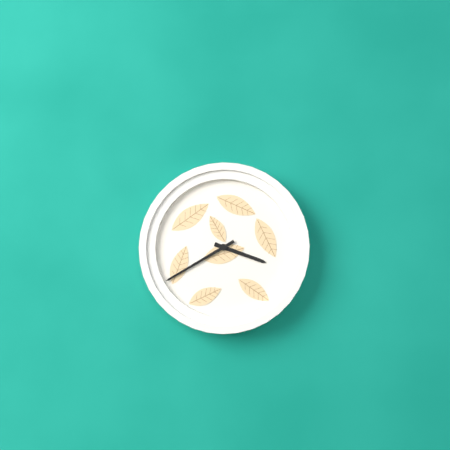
3:40
